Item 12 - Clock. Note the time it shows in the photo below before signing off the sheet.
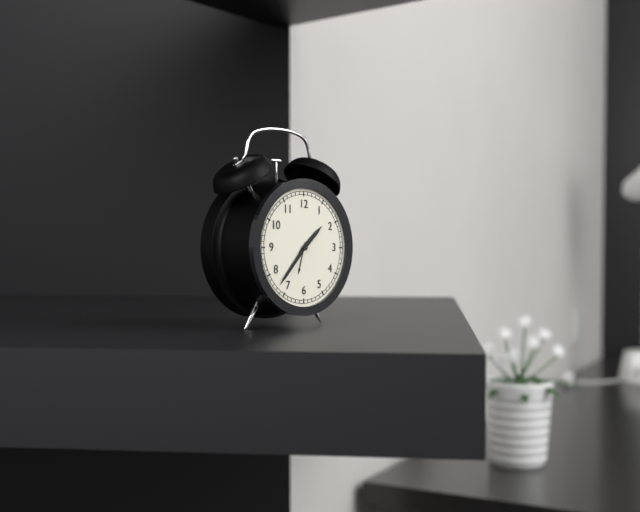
1:37
